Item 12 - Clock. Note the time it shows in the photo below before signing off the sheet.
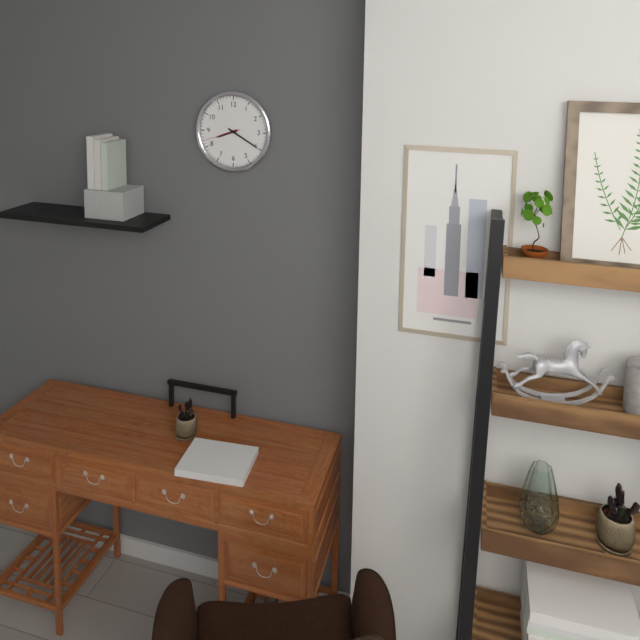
8:20
